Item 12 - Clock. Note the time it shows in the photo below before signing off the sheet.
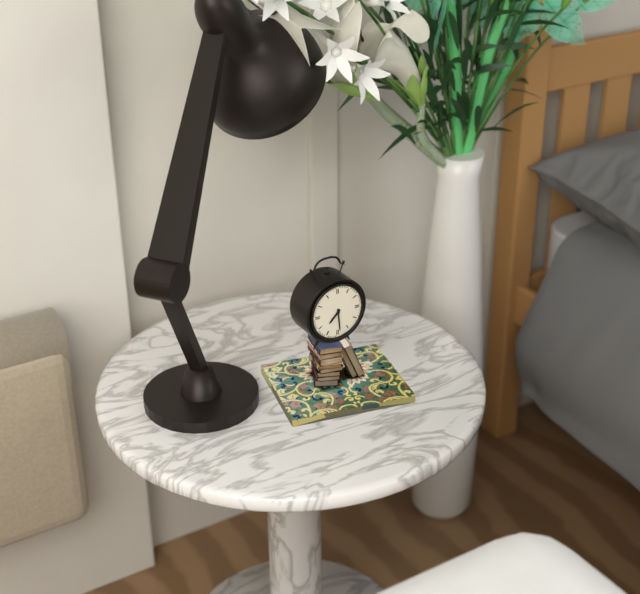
7:29
